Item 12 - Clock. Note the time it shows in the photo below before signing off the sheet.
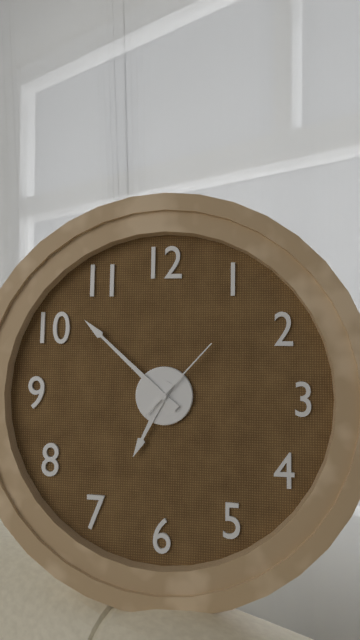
6:52:07
